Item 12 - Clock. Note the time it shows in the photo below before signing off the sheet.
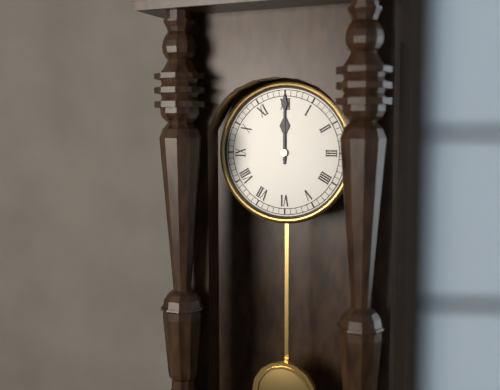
12:00
